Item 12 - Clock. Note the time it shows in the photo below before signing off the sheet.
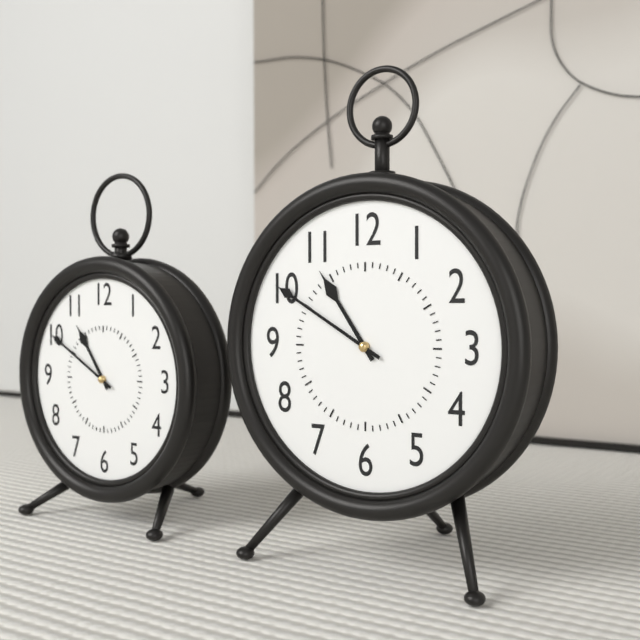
10:50
